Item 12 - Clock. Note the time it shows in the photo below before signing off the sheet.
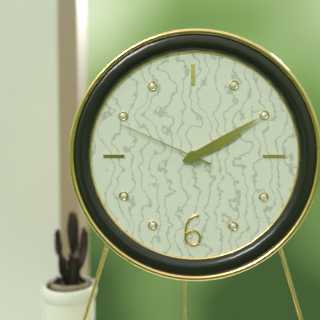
2:10:49
